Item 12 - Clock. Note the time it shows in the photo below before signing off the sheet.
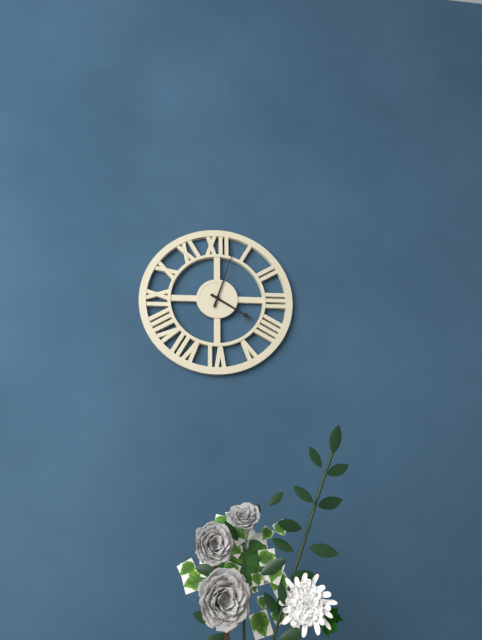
4:03
